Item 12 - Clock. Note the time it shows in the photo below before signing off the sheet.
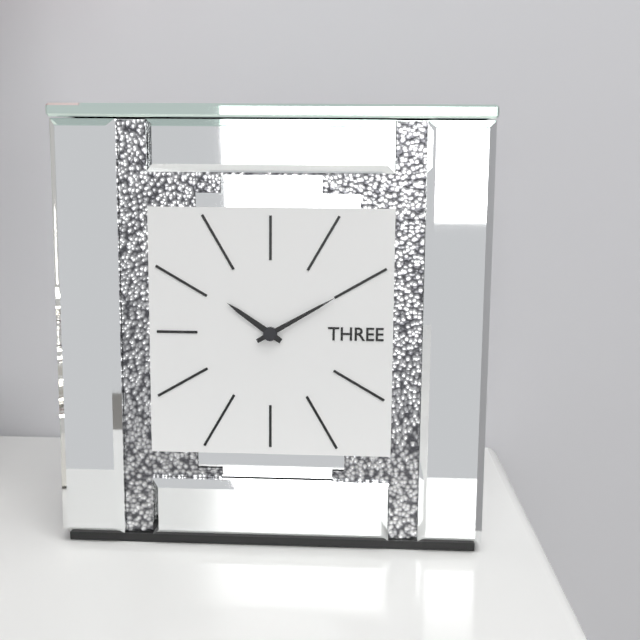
10:10
